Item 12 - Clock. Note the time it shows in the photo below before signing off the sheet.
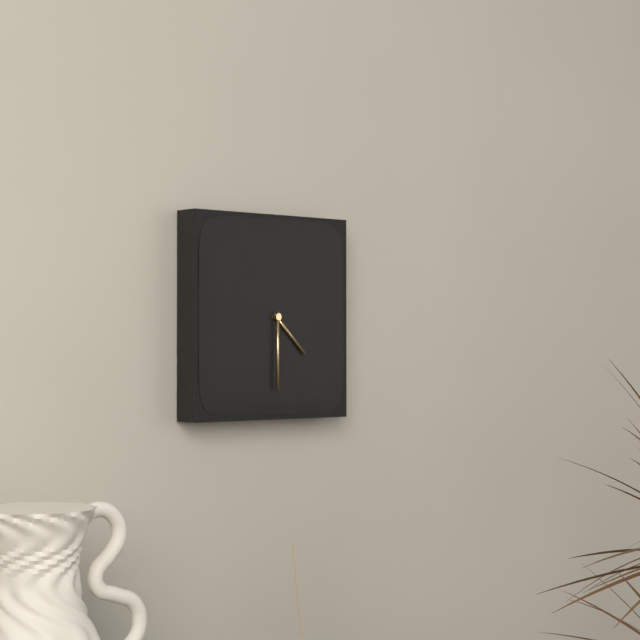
4:30
